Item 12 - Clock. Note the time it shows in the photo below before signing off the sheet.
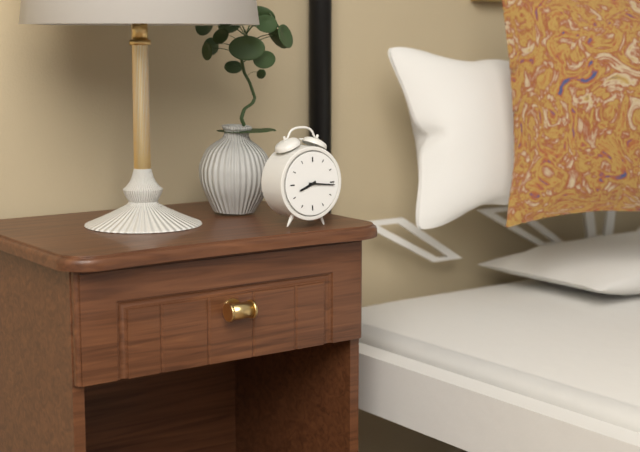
8:16
